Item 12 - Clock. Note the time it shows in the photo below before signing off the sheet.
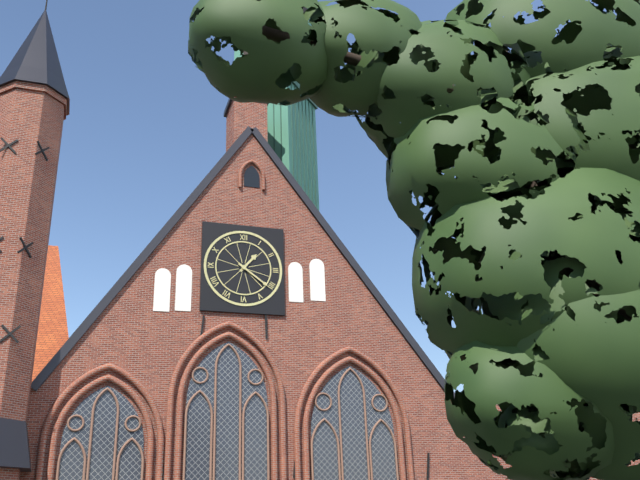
1:21
